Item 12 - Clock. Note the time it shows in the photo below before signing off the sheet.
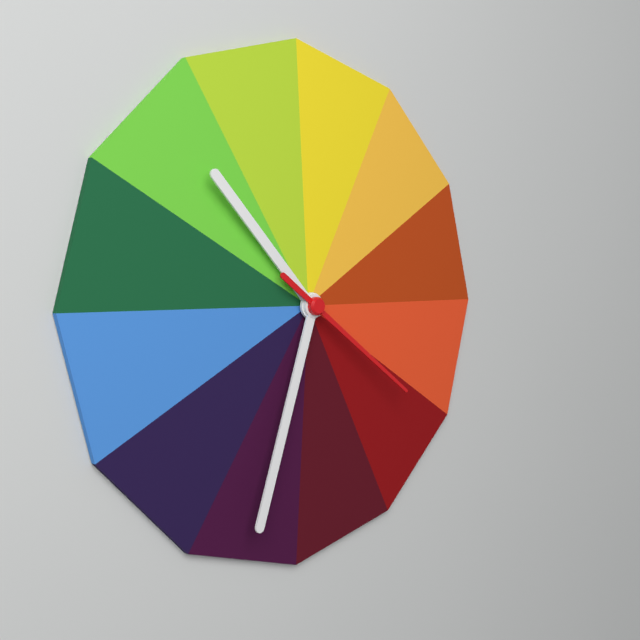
10:33:21
